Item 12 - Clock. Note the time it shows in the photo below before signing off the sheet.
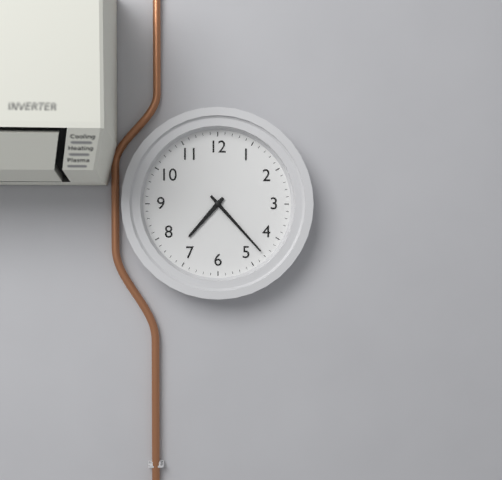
7:23
